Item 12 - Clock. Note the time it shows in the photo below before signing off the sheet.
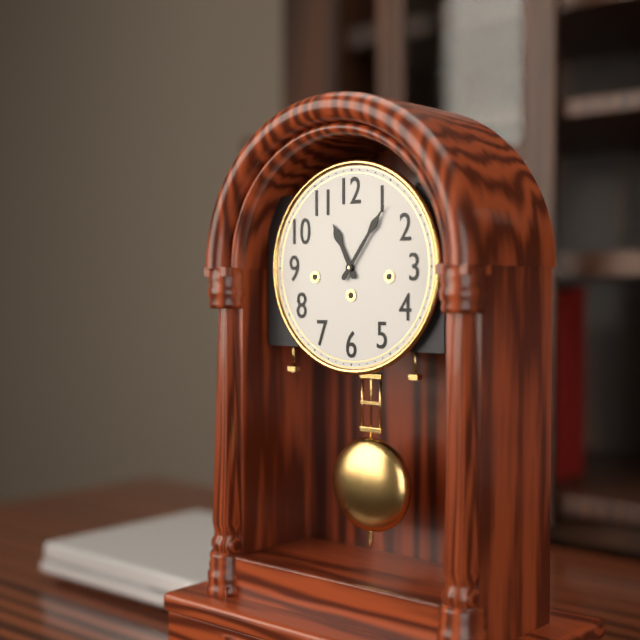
11:06
